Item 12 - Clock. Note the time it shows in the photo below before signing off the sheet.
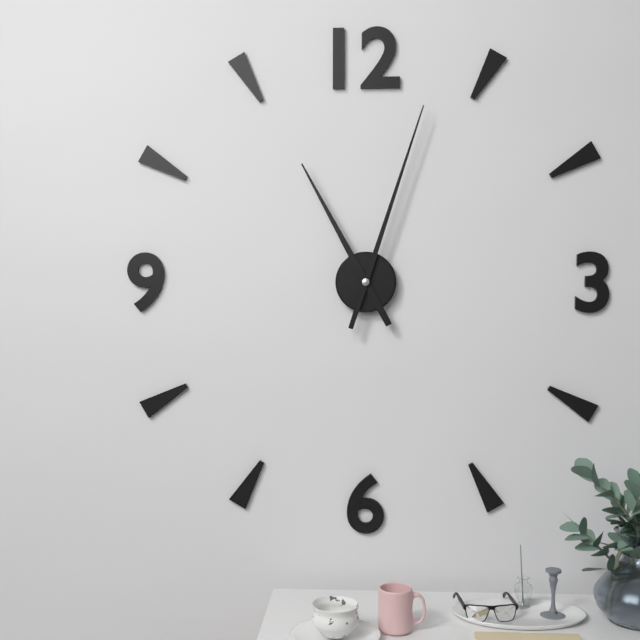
11:03
